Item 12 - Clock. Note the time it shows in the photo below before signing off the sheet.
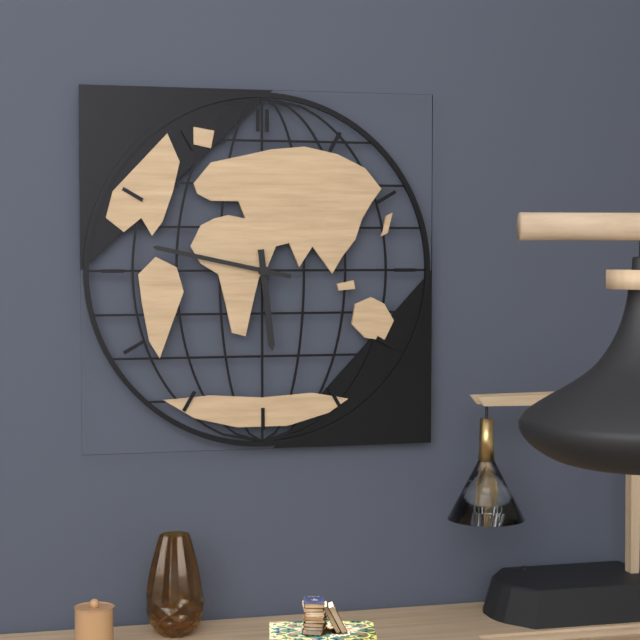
5:47
